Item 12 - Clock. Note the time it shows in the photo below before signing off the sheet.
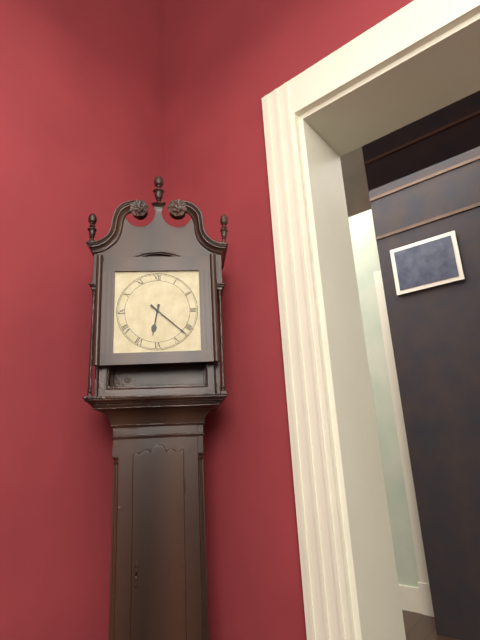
6:22
